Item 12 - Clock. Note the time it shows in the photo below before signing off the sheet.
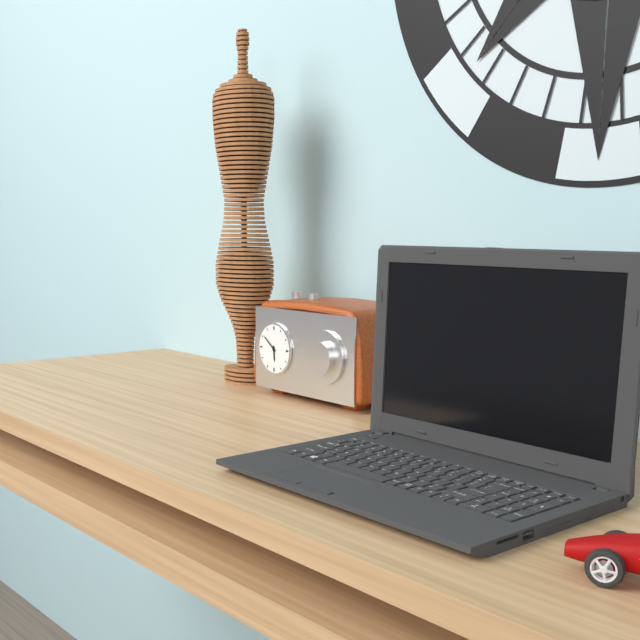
5:51
